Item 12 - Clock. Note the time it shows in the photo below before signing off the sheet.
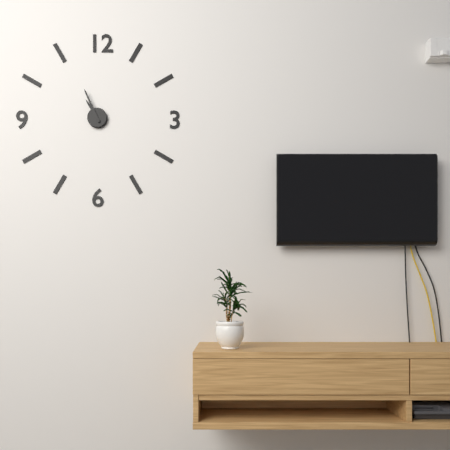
10:56
